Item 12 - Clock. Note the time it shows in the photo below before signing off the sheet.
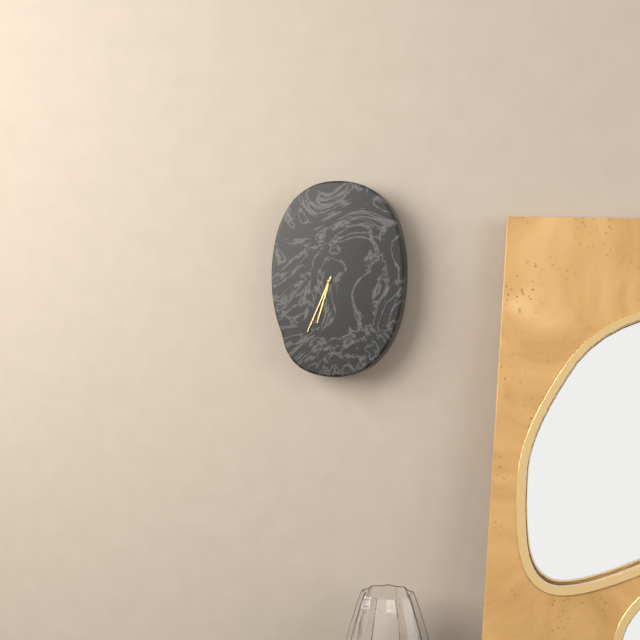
6:34
